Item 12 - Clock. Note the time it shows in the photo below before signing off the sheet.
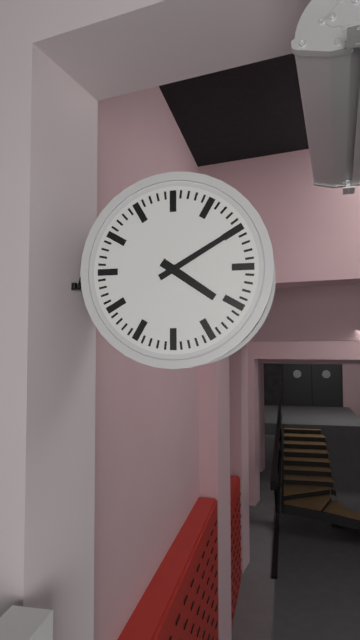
4:10
